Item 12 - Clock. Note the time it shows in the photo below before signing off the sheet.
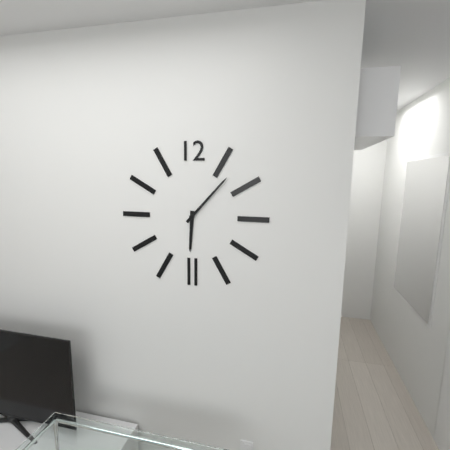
6:07
